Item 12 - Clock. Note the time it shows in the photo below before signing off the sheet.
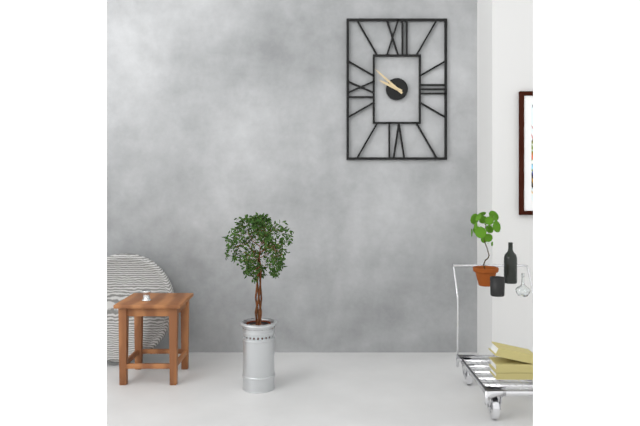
9:52
